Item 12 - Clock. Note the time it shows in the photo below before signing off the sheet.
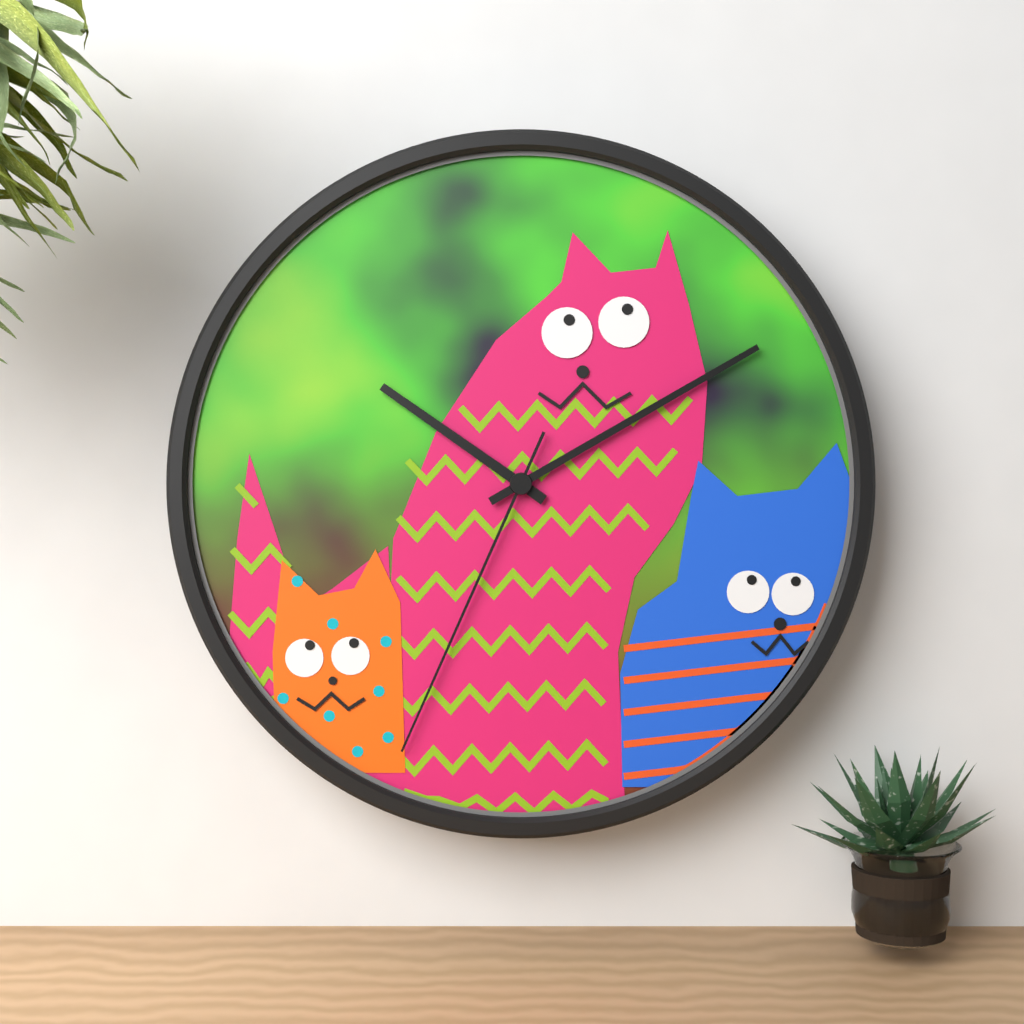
10:10:34
